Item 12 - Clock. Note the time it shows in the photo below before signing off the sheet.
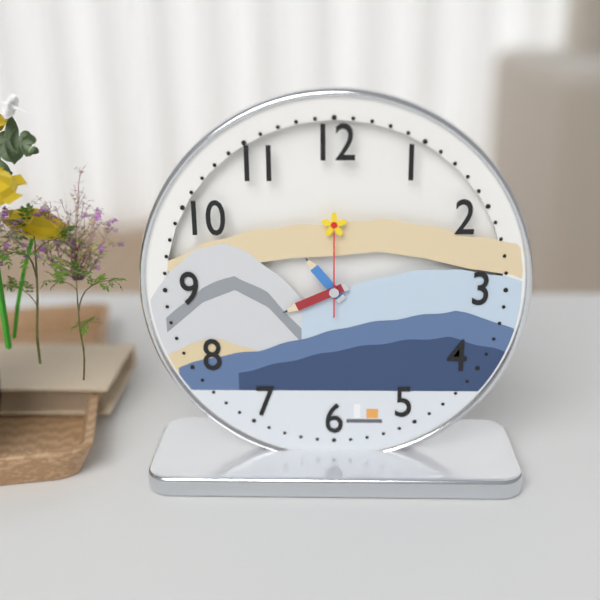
10:41:00
